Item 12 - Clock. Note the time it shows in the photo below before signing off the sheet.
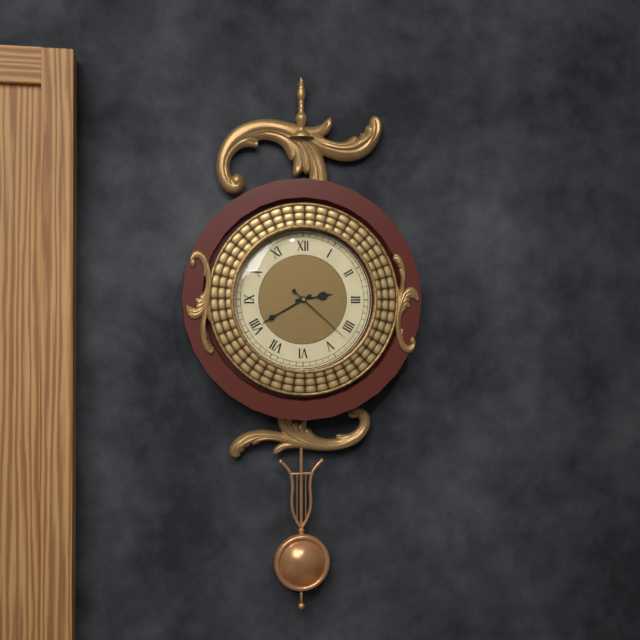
2:40:22
